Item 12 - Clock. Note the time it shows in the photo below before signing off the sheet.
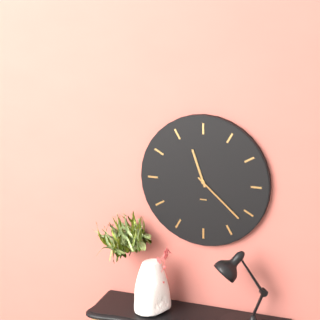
11:22
